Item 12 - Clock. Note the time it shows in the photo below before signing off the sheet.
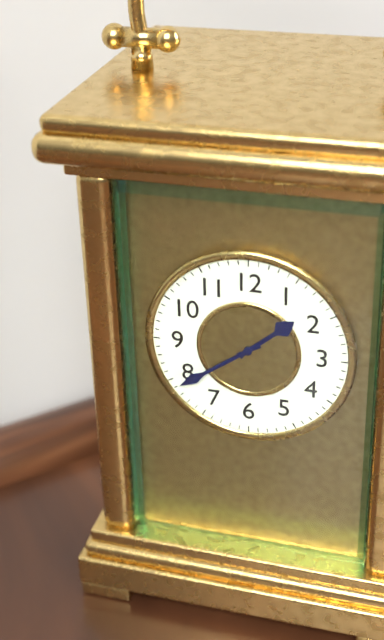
1:39
